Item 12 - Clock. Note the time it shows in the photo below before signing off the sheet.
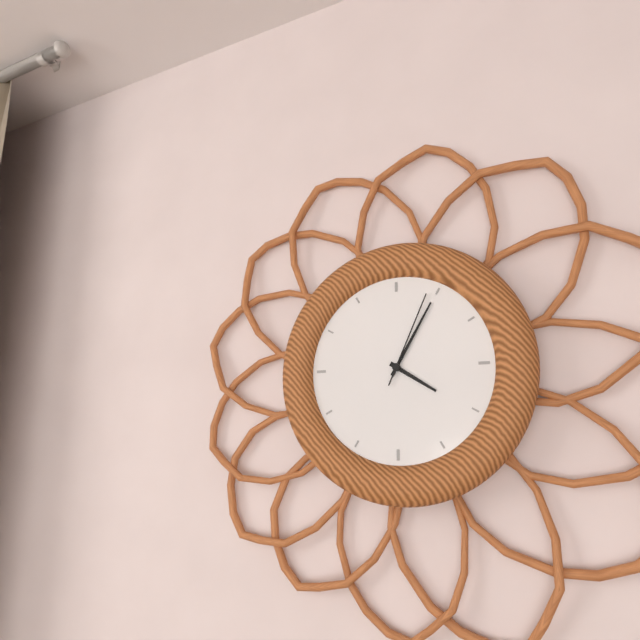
4:05:04
